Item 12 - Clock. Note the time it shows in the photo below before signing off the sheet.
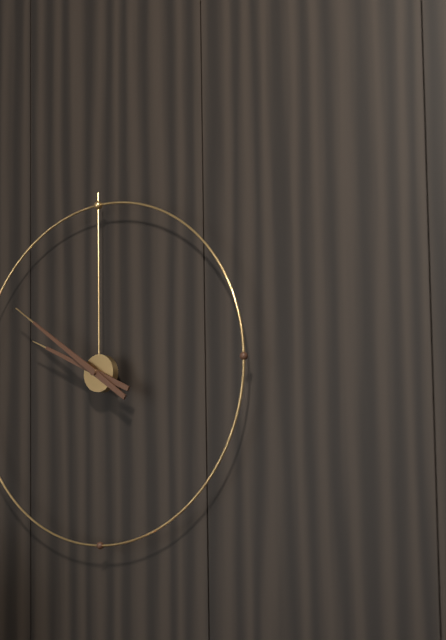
9:51
